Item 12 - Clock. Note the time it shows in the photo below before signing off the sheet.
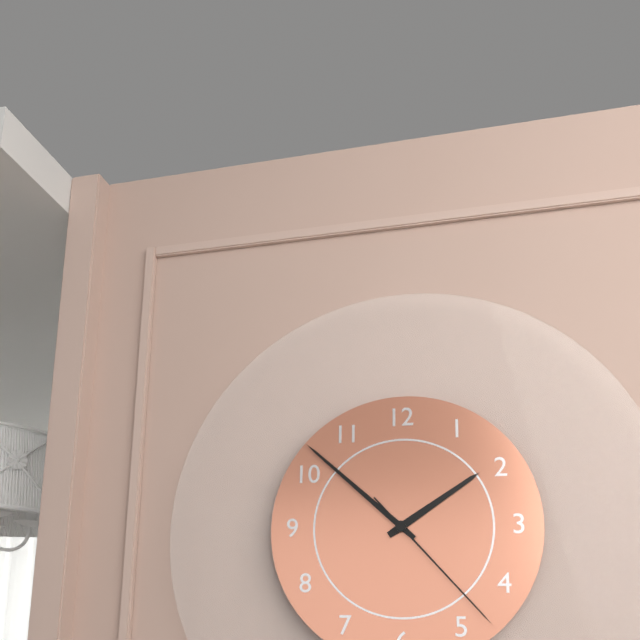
1:52:23
